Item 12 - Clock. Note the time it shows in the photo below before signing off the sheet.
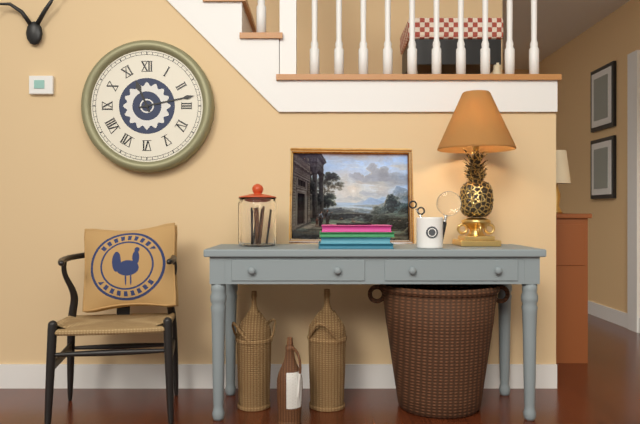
11:13
